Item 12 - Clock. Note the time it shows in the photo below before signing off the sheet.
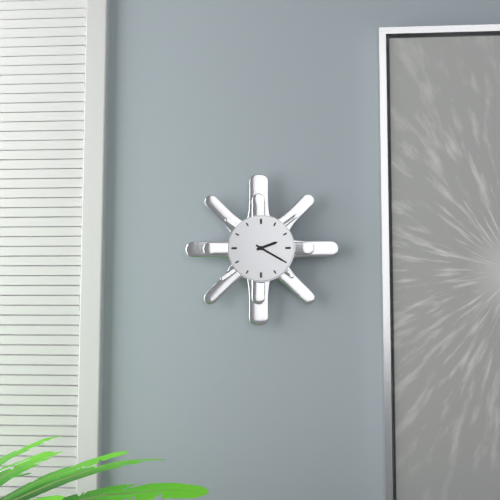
2:20
